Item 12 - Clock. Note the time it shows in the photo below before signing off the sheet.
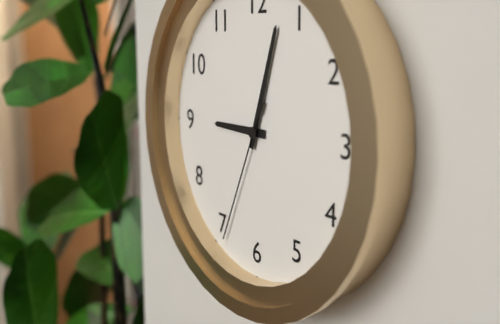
9:03:34
